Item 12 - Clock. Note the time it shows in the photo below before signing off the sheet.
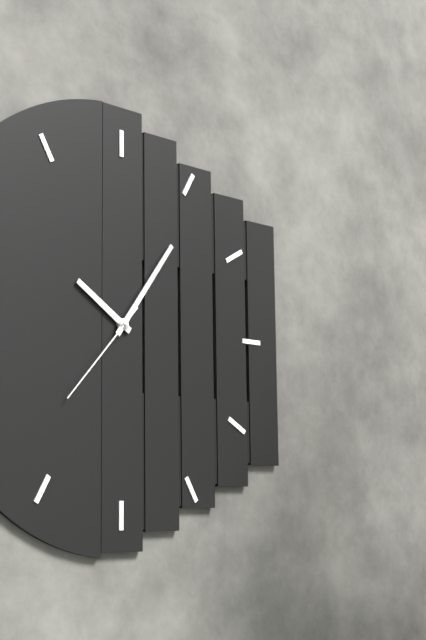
10:06:37
